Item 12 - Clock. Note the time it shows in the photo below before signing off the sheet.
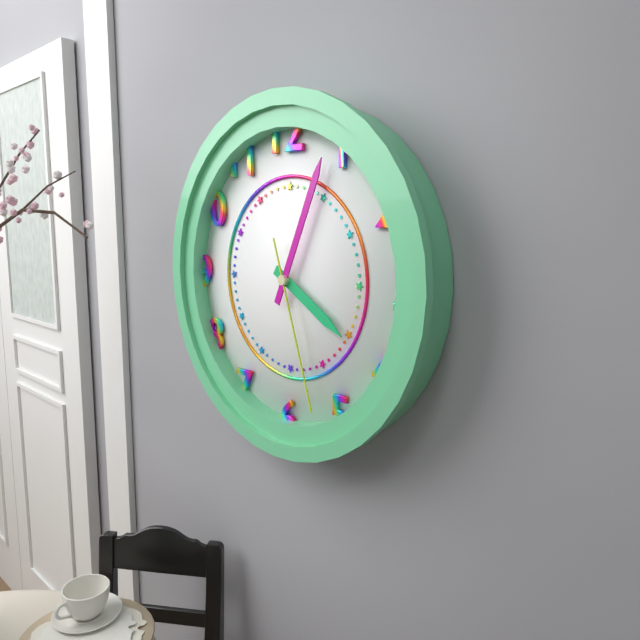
4:04:27
